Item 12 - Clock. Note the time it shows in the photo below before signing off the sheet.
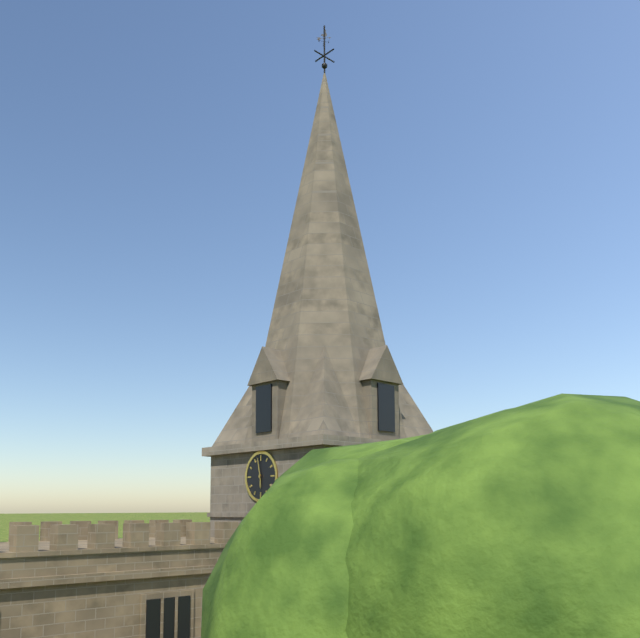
5:58
